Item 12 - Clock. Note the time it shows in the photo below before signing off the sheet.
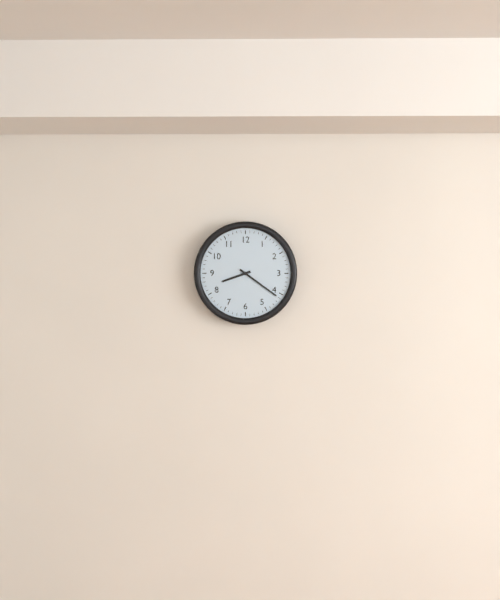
8:21
